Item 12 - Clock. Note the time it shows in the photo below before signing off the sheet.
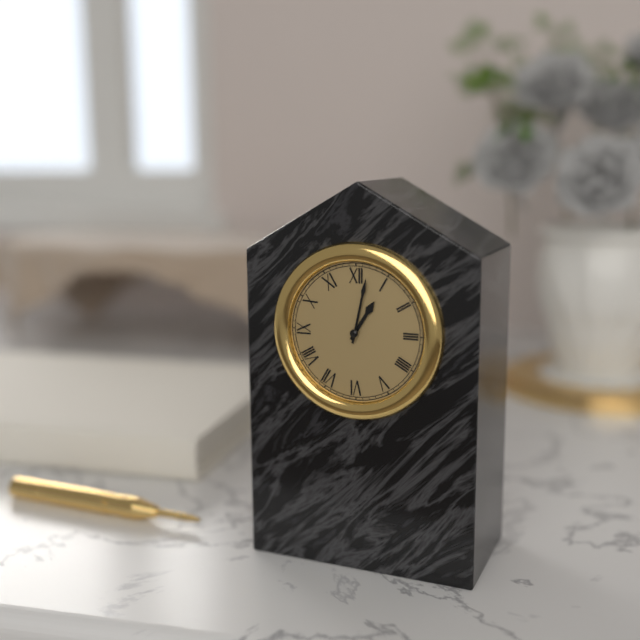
1:02
